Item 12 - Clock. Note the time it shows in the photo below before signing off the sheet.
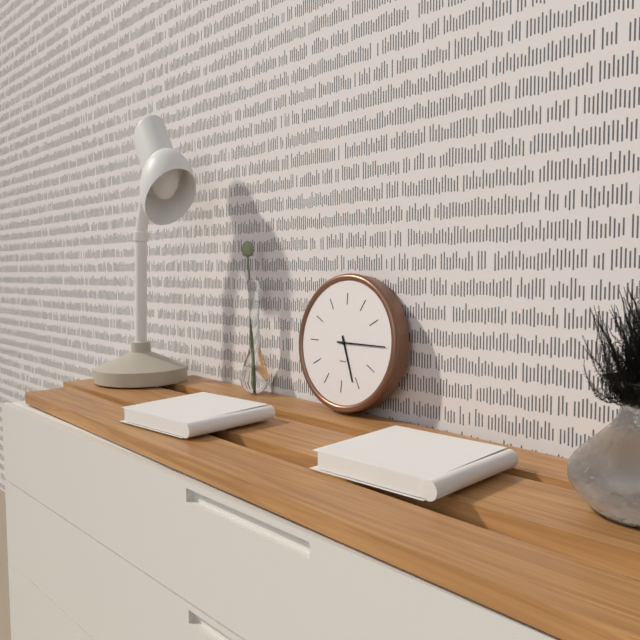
5:15
